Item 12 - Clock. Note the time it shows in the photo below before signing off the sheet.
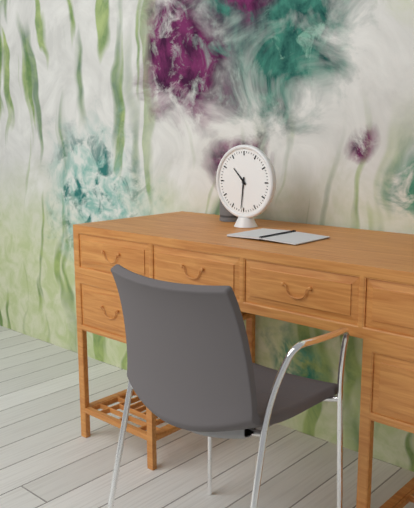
10:31
